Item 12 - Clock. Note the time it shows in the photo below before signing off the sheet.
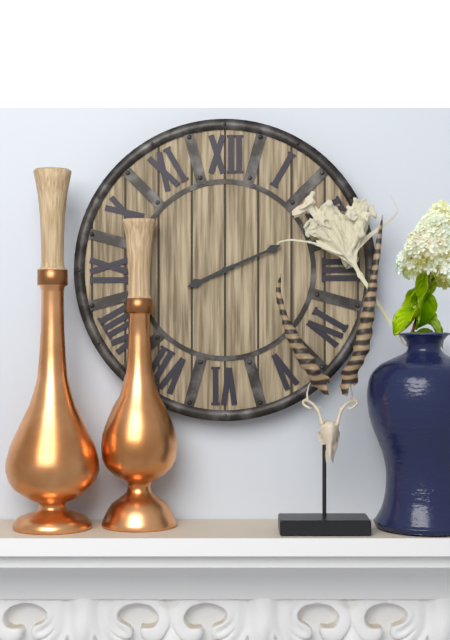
8:11
